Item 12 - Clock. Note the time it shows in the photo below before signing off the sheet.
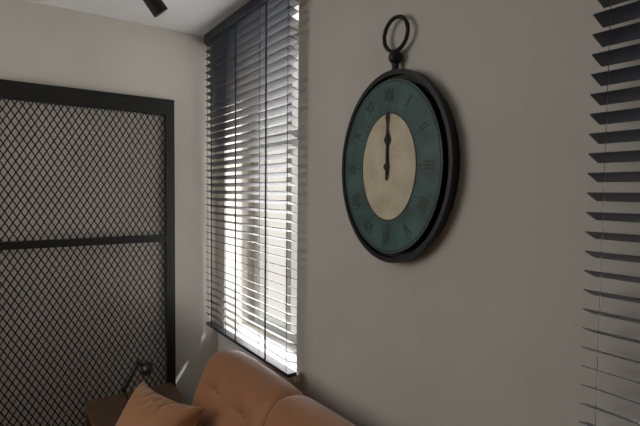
12:00
